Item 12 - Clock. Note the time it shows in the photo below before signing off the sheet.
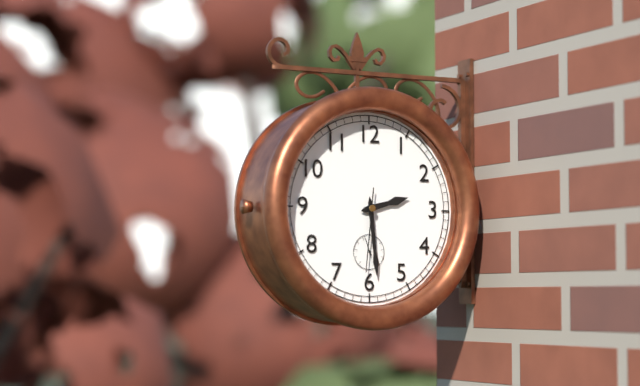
2:29:31
